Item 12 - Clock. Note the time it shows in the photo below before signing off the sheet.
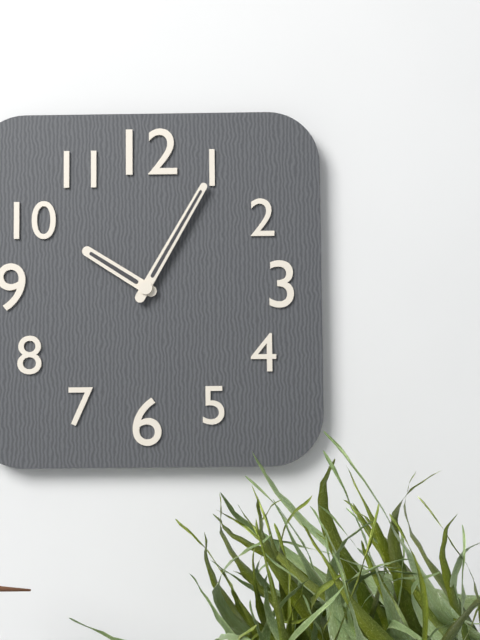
10:05
